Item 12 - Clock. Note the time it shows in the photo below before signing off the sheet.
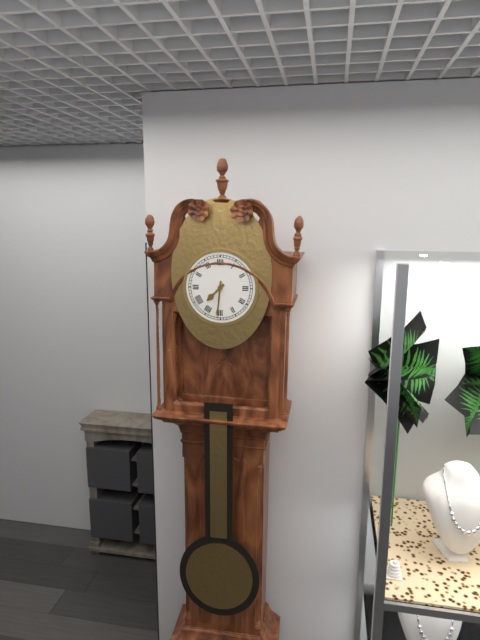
7:31
